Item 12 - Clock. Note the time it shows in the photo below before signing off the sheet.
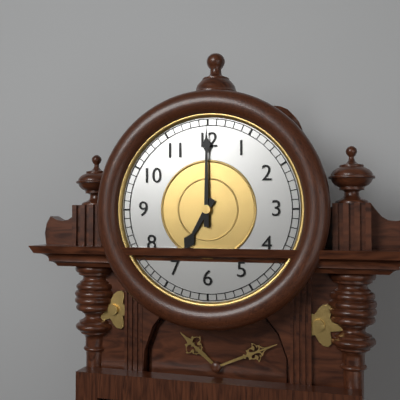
7:00
